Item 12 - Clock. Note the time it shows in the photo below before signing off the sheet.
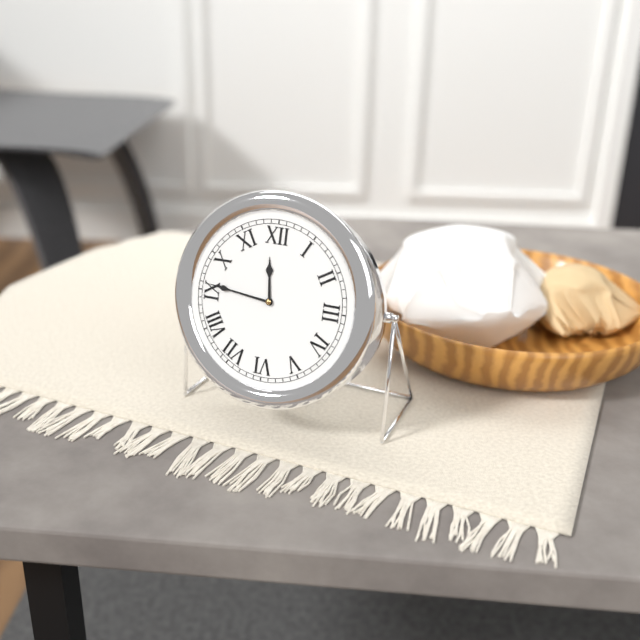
11:46
